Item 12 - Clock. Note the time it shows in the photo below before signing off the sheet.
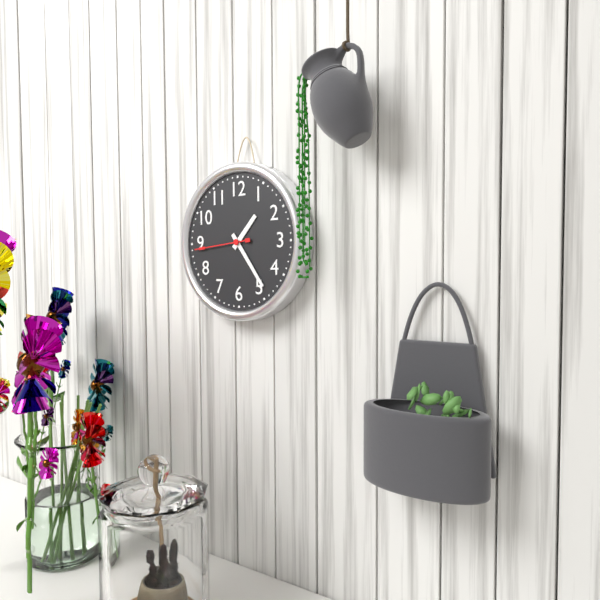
1:24:44
